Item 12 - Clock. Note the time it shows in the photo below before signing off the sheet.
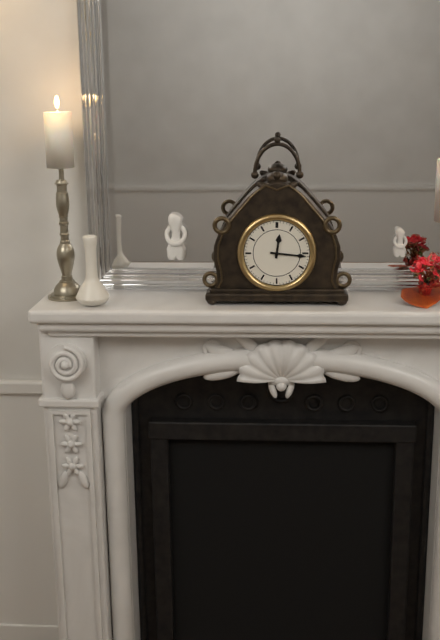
12:16
